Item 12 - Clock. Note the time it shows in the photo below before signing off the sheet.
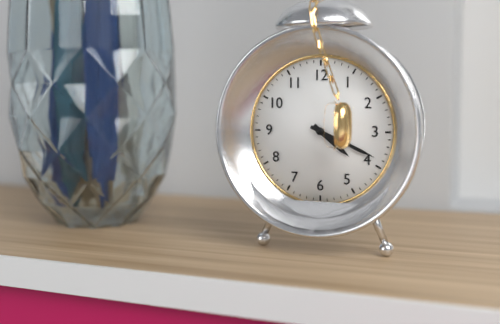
4:19
